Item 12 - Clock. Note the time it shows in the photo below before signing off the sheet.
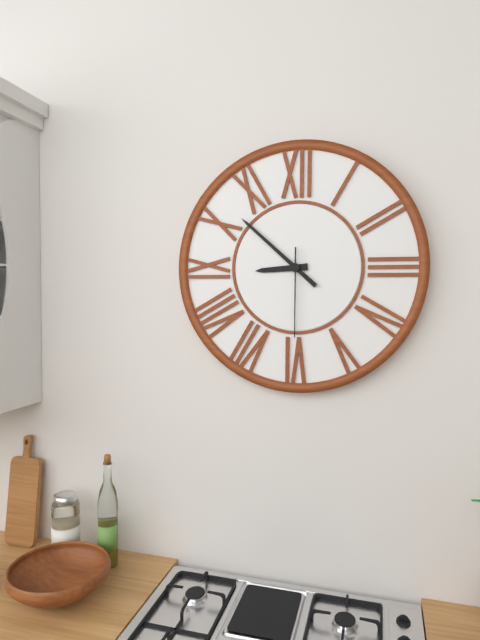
8:52:30
